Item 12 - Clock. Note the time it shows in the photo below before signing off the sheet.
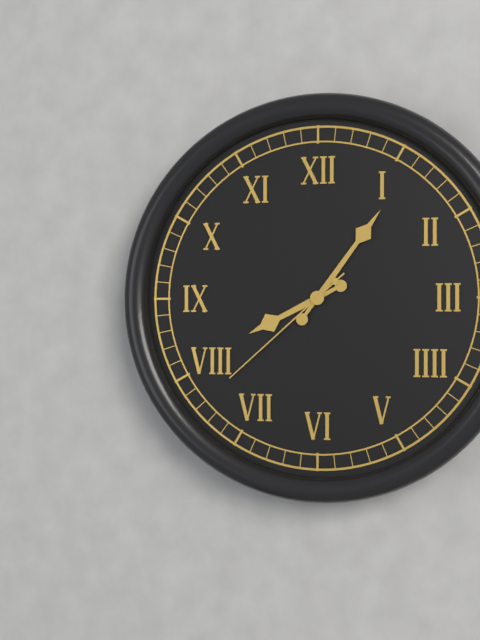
8:06:38
